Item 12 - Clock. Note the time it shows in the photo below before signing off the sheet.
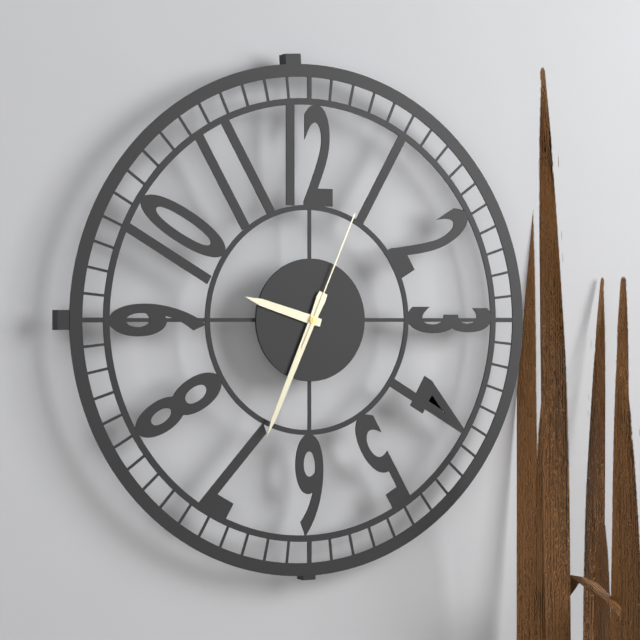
9:34:04
